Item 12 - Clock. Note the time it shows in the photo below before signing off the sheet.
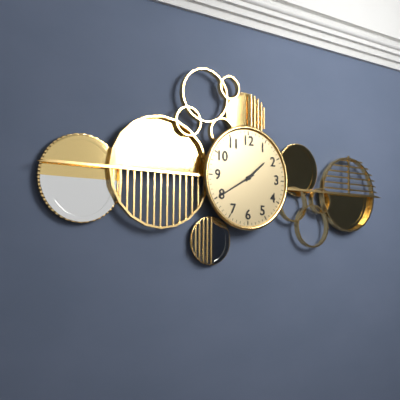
1:40
